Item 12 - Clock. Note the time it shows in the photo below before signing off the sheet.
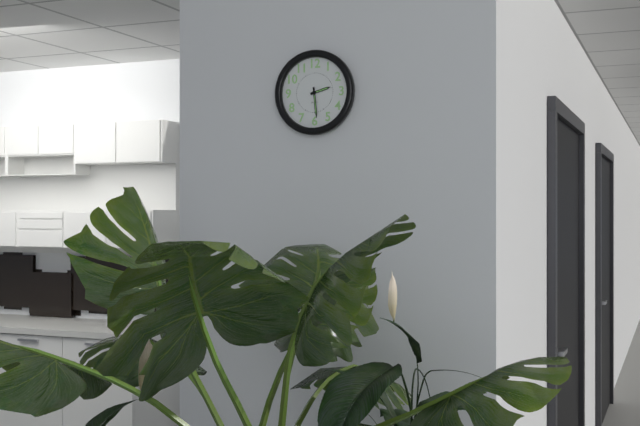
2:29
